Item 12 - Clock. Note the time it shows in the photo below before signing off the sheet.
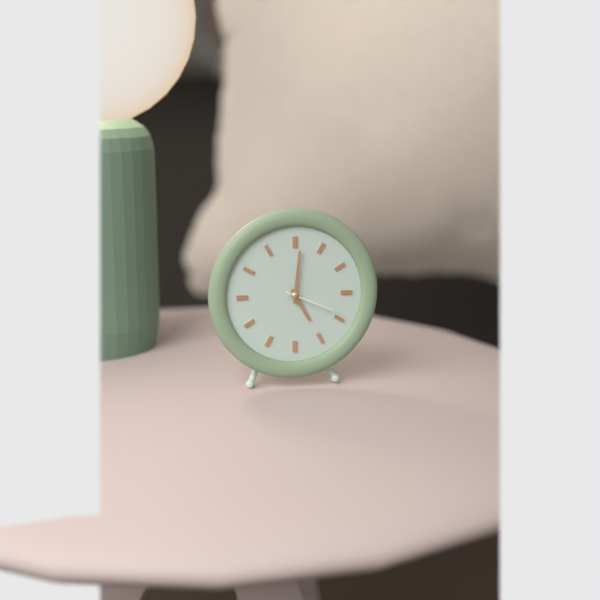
5:01:19
